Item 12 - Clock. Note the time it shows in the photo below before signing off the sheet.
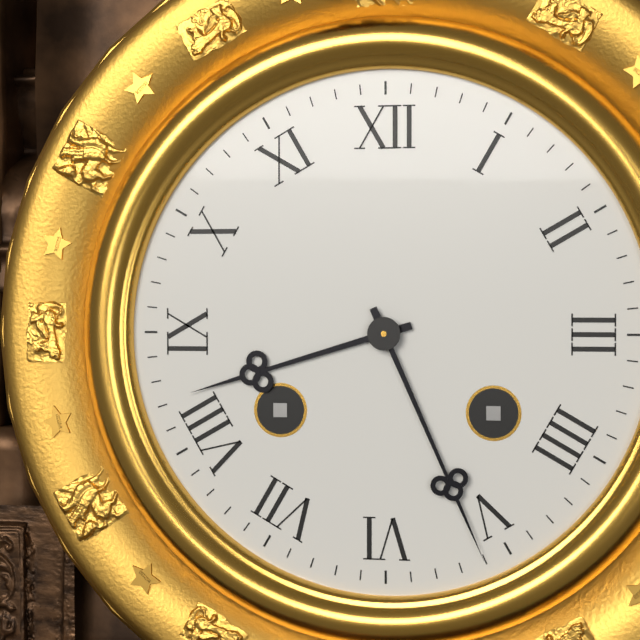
8:26
